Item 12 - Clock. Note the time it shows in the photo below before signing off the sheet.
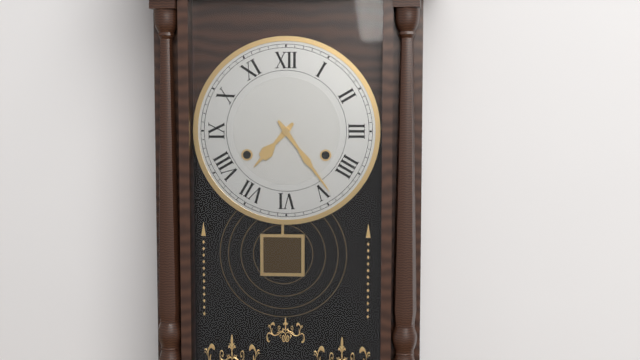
7:24
